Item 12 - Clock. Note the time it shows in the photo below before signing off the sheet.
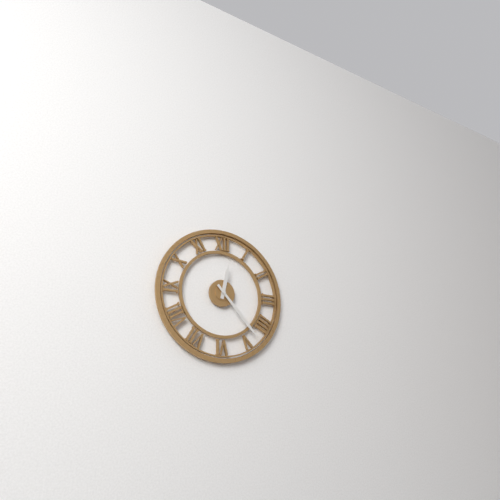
12:23
